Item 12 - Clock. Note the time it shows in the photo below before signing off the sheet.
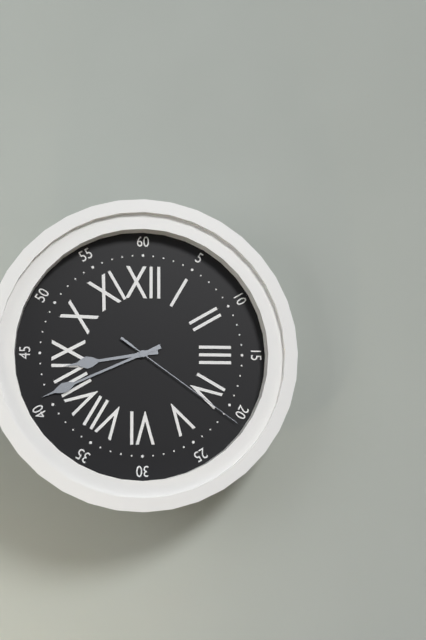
8:41:21
